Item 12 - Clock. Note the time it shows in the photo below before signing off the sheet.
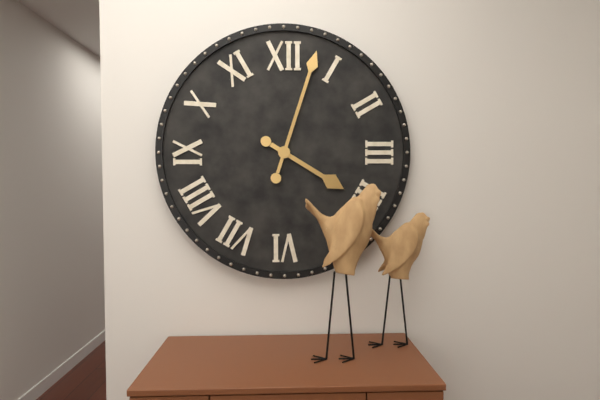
4:03
